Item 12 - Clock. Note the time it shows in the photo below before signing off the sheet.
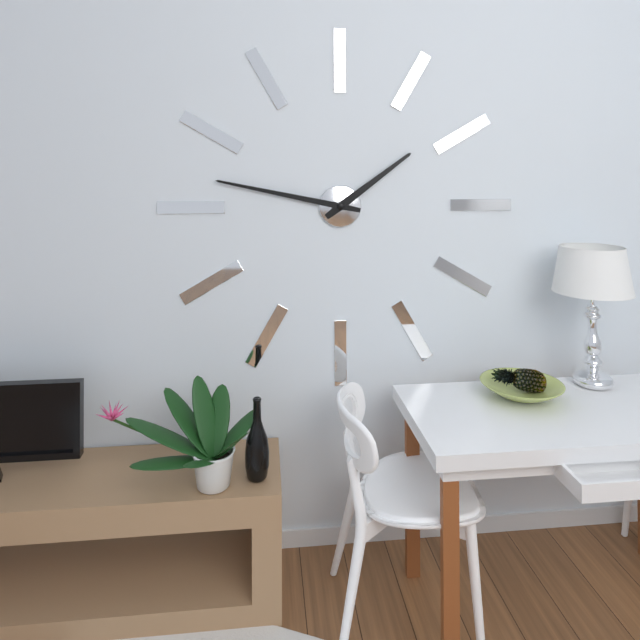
1:47
